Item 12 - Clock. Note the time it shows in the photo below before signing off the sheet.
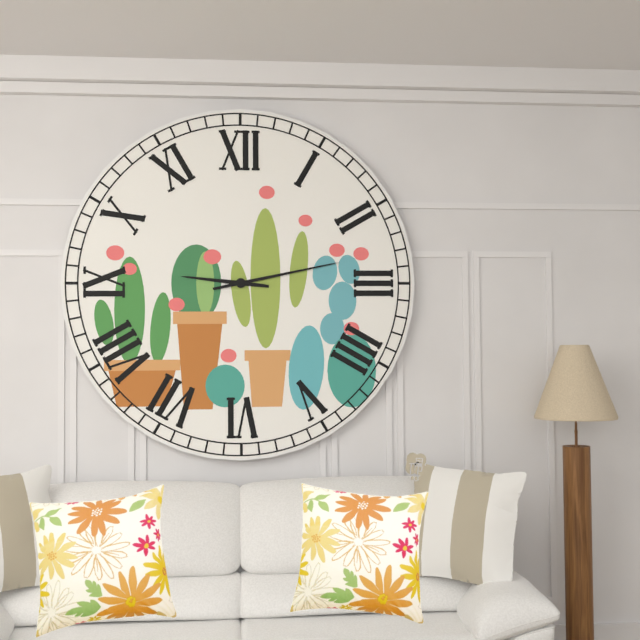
9:13
